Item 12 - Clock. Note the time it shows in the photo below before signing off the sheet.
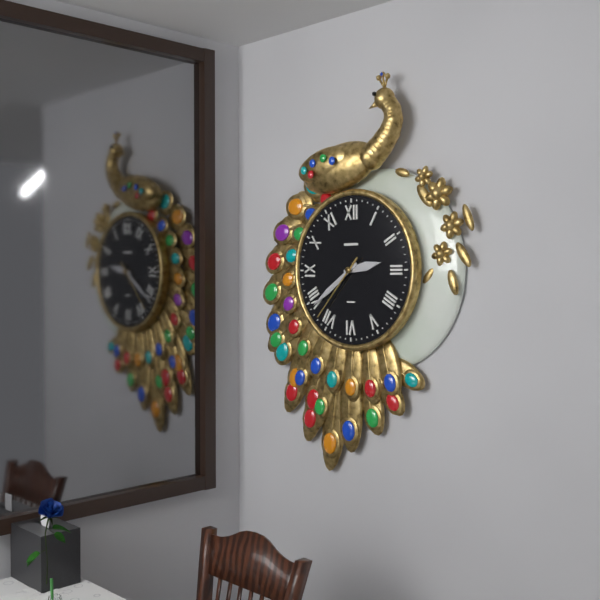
2:39:37
